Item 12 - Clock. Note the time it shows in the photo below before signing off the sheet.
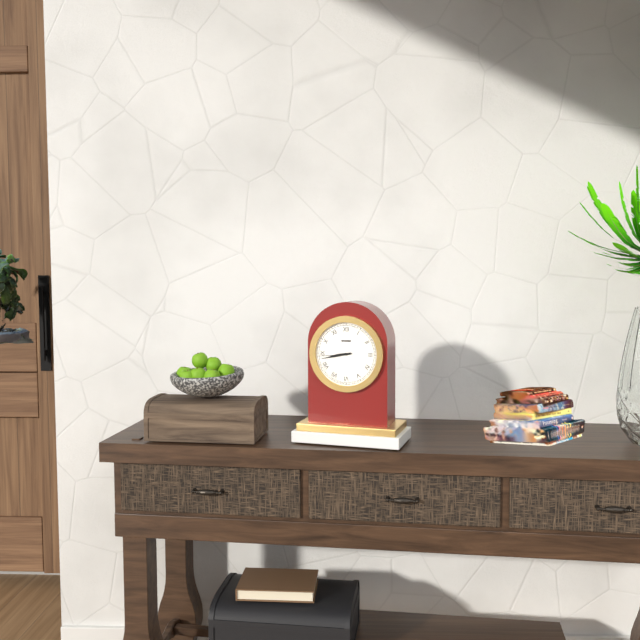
8:43
